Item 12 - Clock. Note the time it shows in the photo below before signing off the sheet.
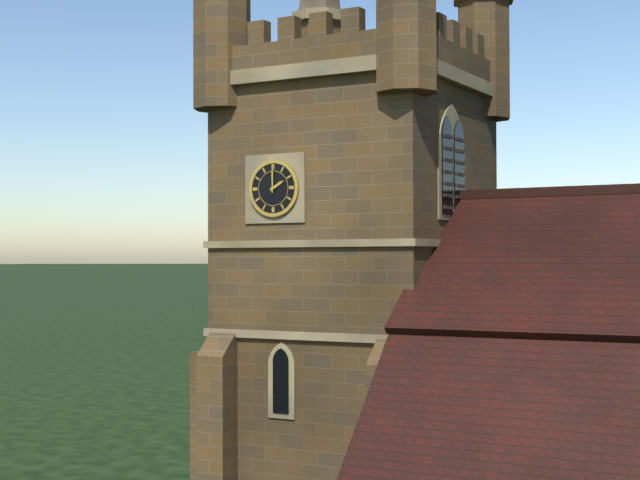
2:00
